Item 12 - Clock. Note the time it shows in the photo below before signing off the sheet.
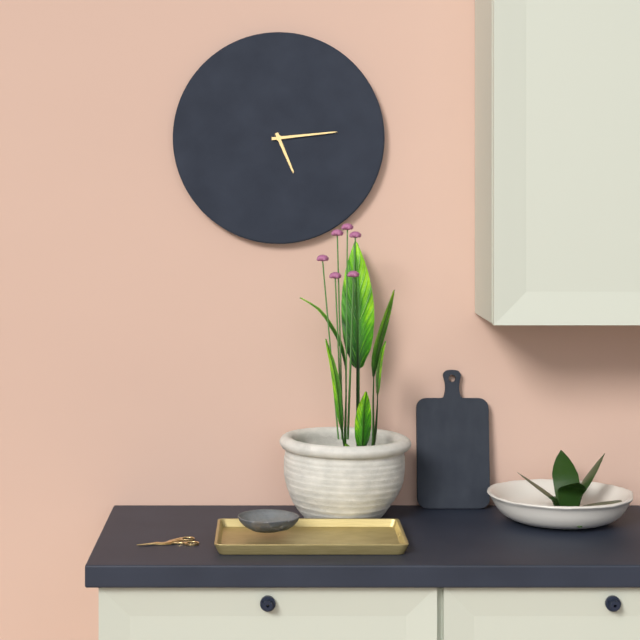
5:14
